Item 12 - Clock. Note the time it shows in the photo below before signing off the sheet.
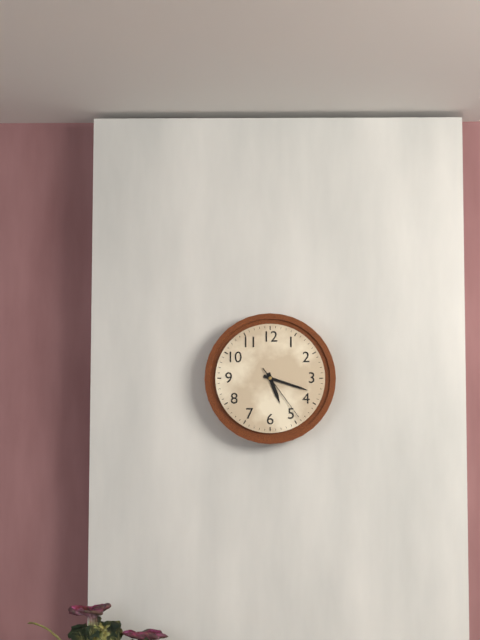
5:18:24
